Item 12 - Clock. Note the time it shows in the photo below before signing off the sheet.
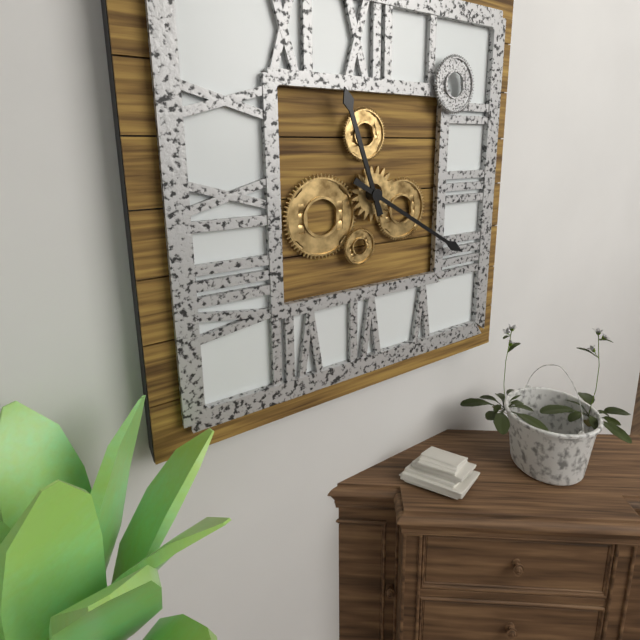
11:20
